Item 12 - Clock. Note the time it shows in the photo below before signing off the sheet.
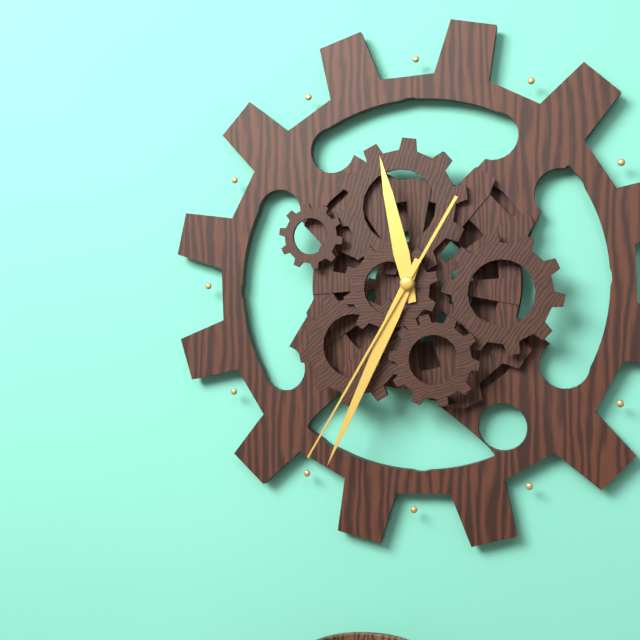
11:34:35
